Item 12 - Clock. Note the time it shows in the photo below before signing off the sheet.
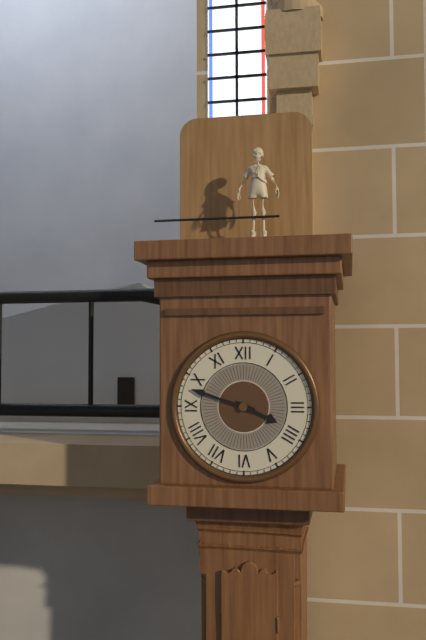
3:48
